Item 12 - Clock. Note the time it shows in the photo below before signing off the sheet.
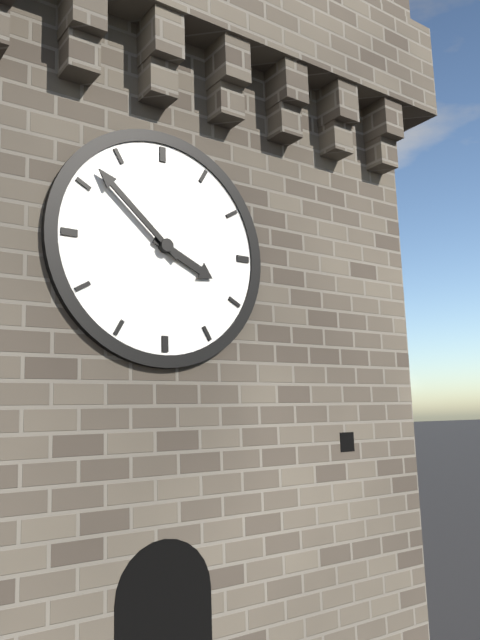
3:52
